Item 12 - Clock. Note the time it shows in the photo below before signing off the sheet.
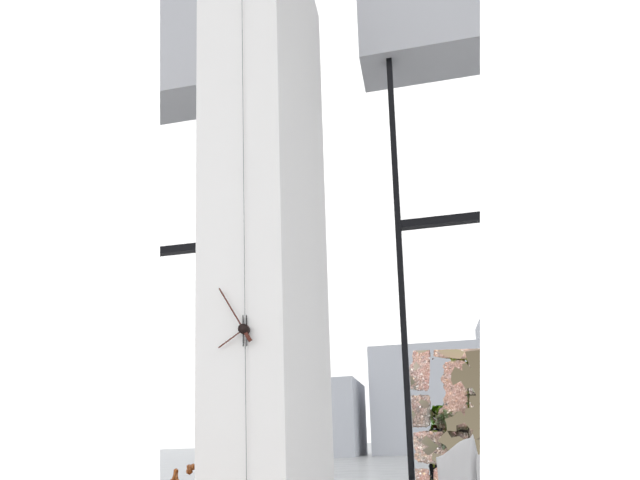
7:55
